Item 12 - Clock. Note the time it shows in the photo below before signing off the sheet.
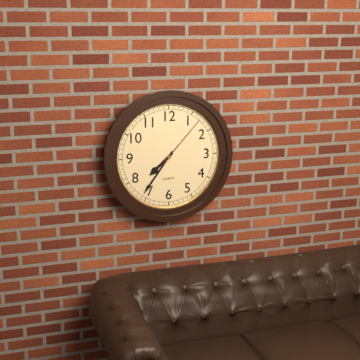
7:36:07
